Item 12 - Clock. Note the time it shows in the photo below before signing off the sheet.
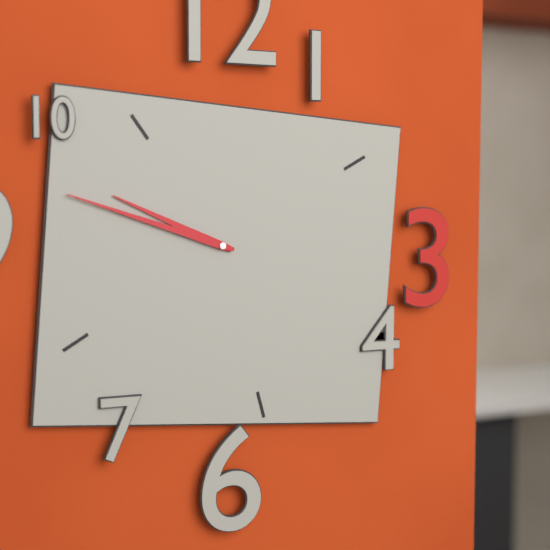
9:48
